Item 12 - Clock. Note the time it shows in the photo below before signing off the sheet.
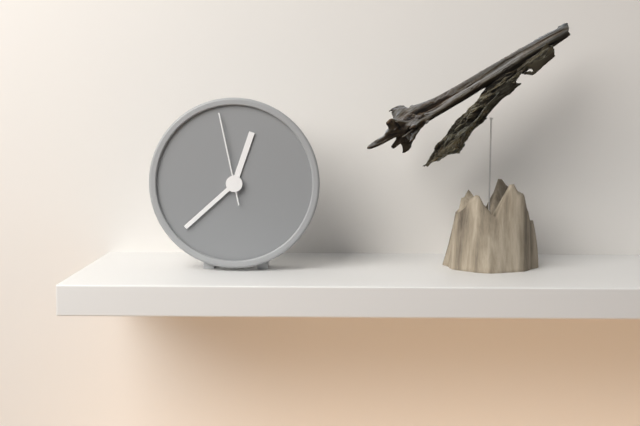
12:38:58
